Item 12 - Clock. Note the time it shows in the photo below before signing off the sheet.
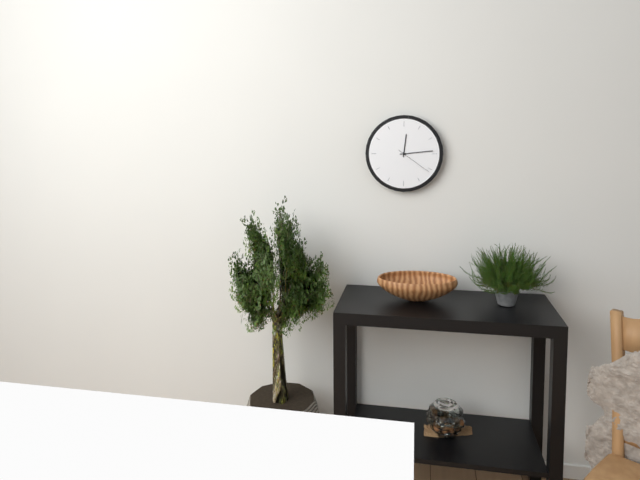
12:14
